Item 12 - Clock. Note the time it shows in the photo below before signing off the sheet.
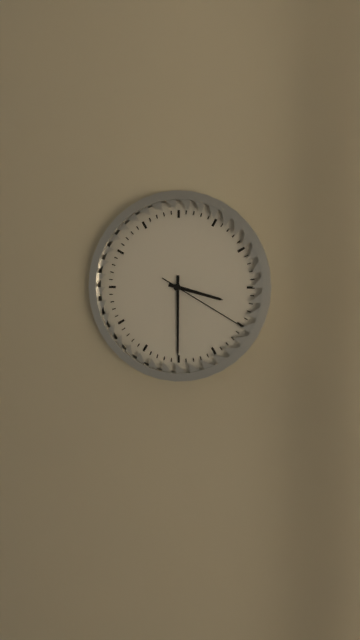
3:30:20
